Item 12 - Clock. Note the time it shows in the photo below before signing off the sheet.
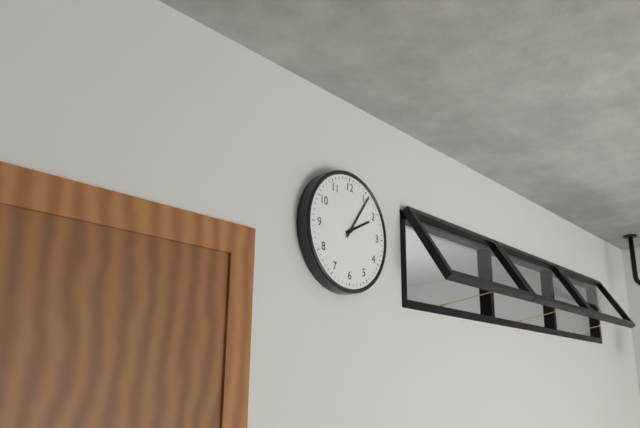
2:06
